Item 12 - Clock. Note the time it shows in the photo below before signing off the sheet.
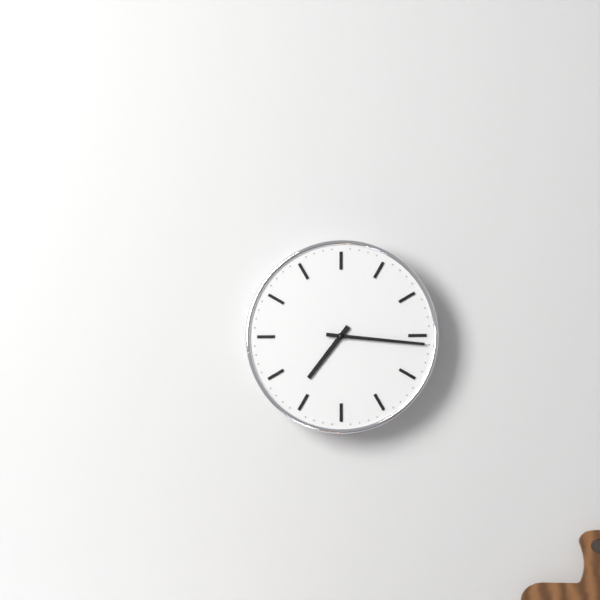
7:16
